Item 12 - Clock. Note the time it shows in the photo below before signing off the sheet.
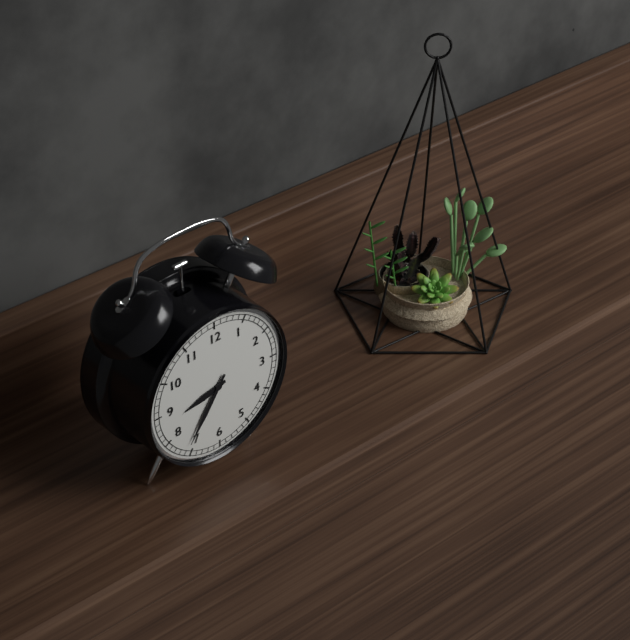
8:36
